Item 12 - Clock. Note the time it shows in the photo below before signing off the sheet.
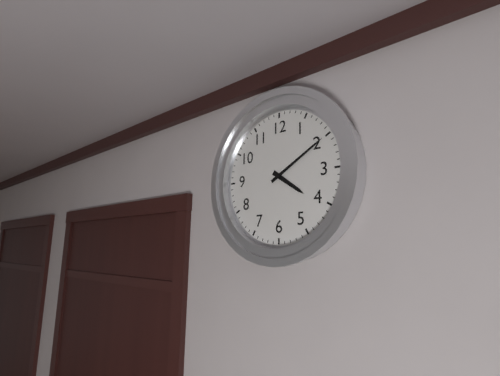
4:10
